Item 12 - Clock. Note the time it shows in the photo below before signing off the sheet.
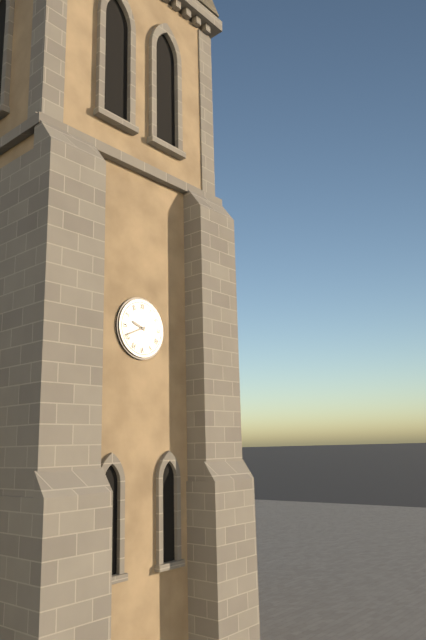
9:41
